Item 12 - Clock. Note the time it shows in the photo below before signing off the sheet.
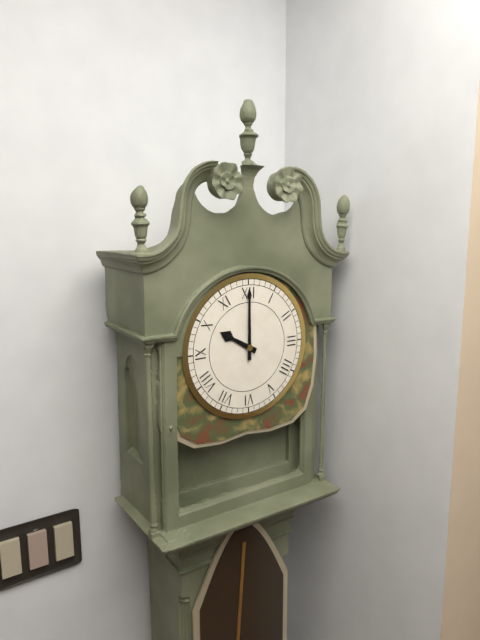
10:00
